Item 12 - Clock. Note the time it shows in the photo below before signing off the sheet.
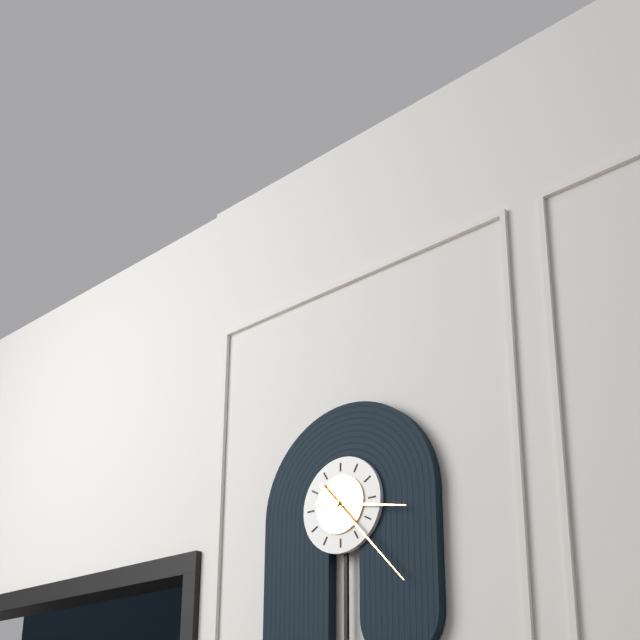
3:23
